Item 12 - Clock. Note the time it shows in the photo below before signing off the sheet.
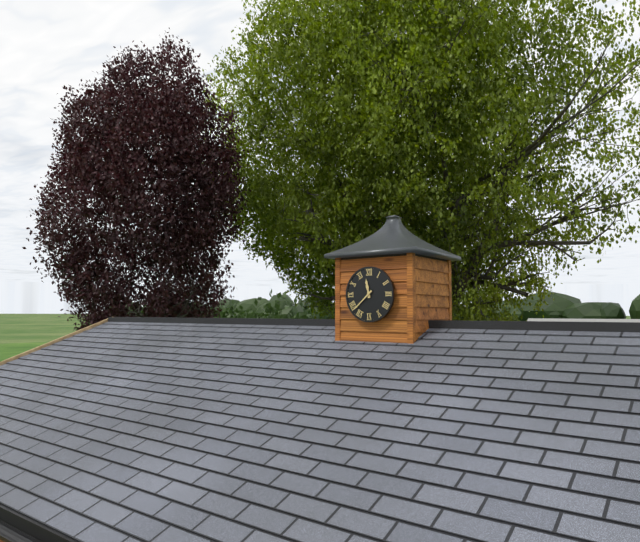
11:38
